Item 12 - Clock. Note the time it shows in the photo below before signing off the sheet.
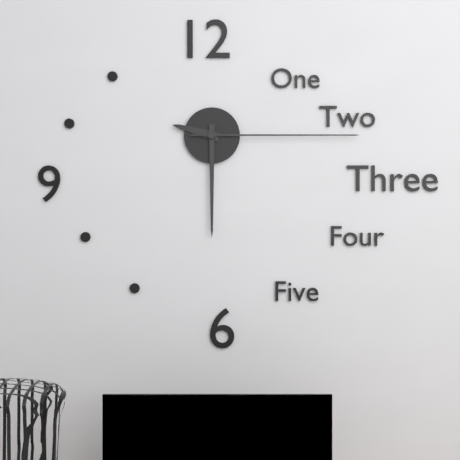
9:30:15
